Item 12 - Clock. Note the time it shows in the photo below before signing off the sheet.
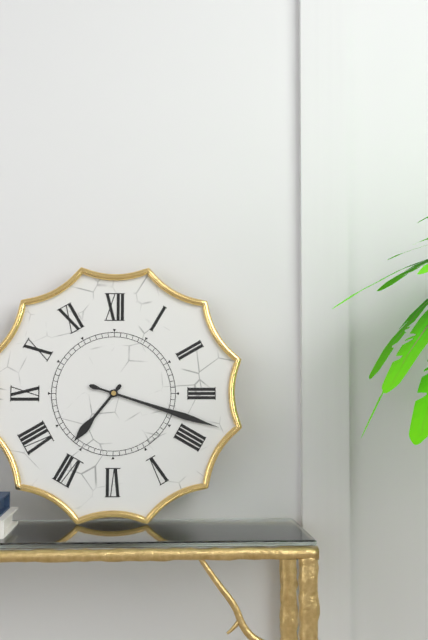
7:18
